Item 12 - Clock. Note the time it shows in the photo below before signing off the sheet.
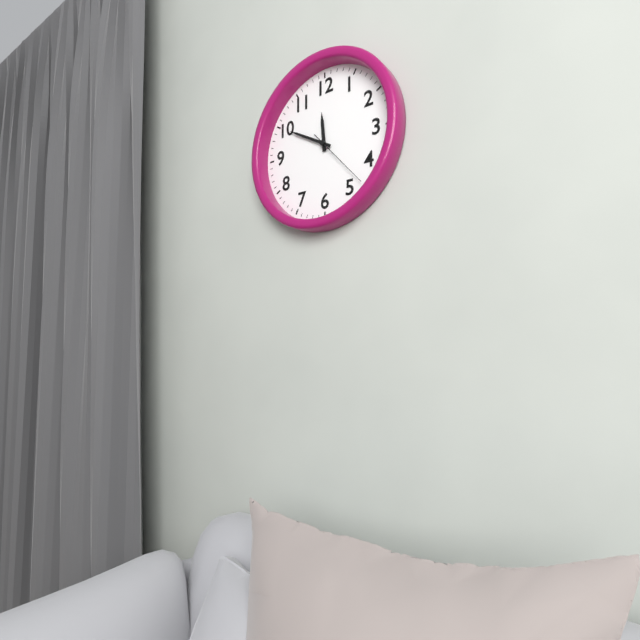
11:50:23
